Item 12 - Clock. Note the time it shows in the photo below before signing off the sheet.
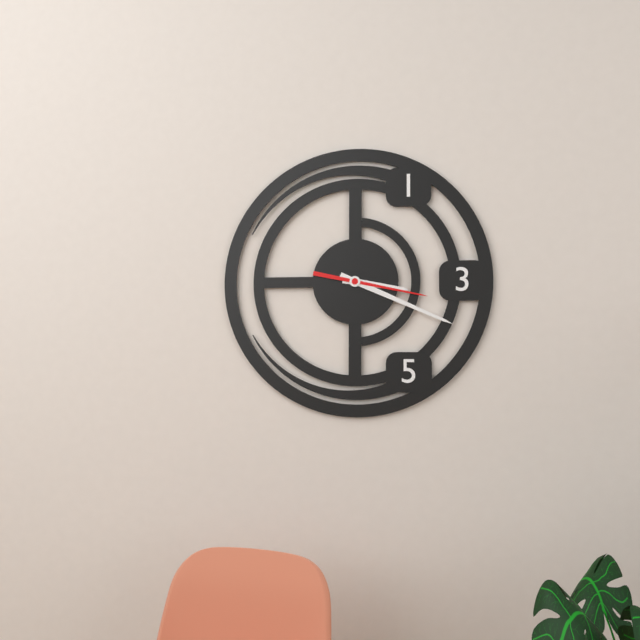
3:19:17
